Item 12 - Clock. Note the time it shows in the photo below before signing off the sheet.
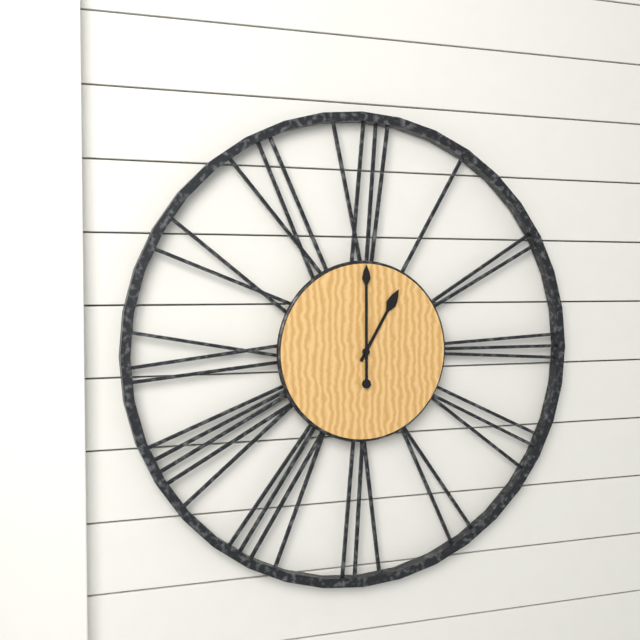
1:00
